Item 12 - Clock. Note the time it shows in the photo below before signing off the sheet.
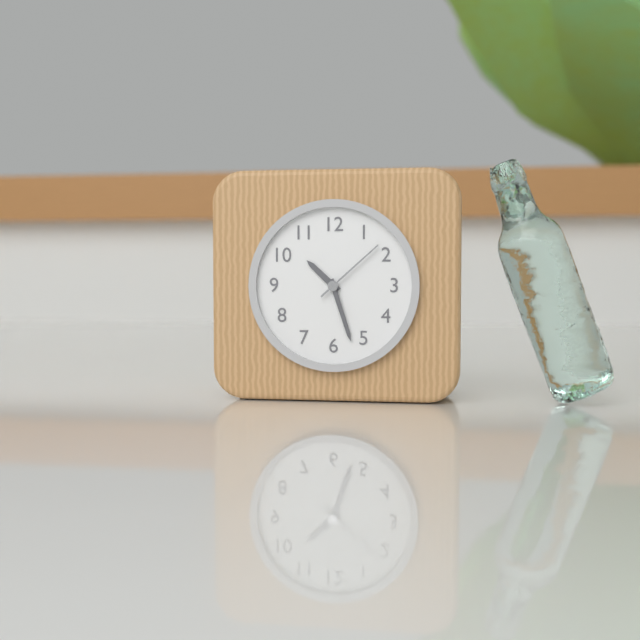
10:27:08
